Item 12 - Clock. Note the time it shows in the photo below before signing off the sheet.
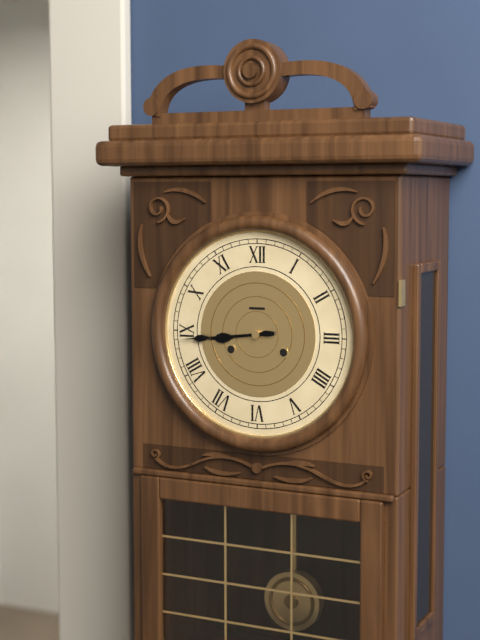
8:44
